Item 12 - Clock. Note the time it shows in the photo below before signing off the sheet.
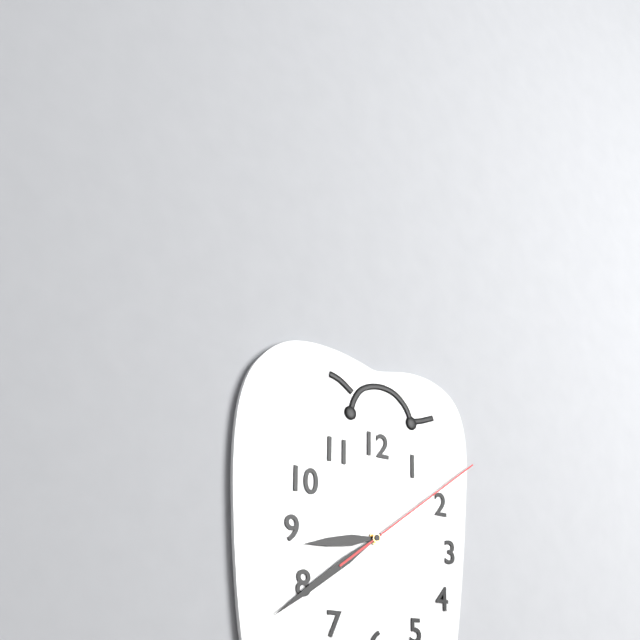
8:39:09
